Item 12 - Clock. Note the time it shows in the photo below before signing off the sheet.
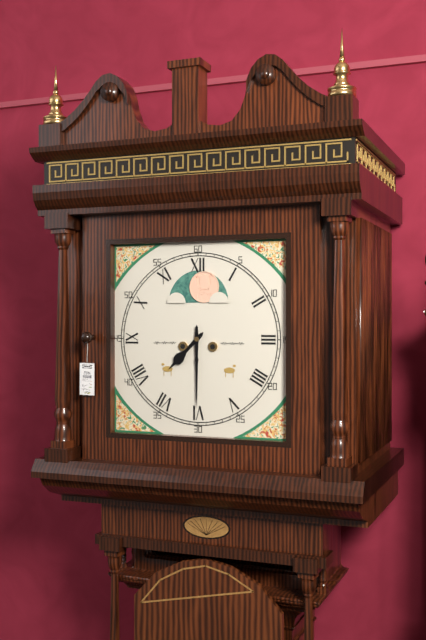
7:30
